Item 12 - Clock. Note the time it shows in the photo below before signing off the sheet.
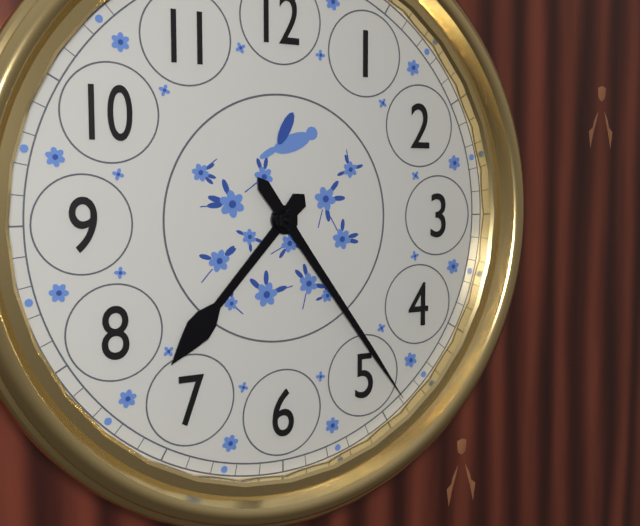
7:24
